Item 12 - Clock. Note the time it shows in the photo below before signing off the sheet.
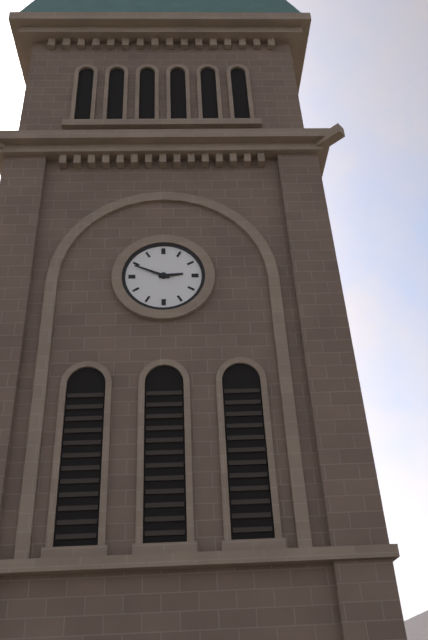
2:49
